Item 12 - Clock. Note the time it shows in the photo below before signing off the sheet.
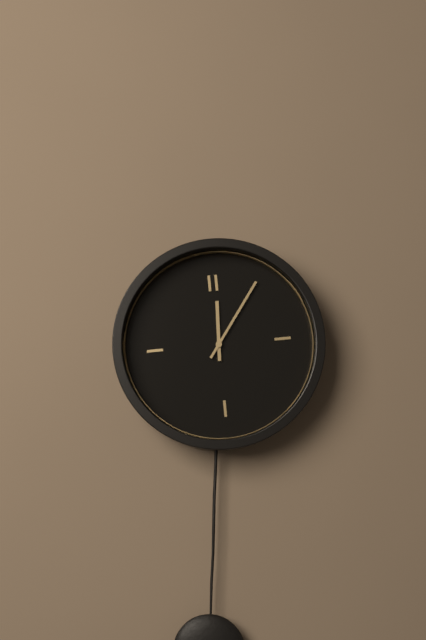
12:06
